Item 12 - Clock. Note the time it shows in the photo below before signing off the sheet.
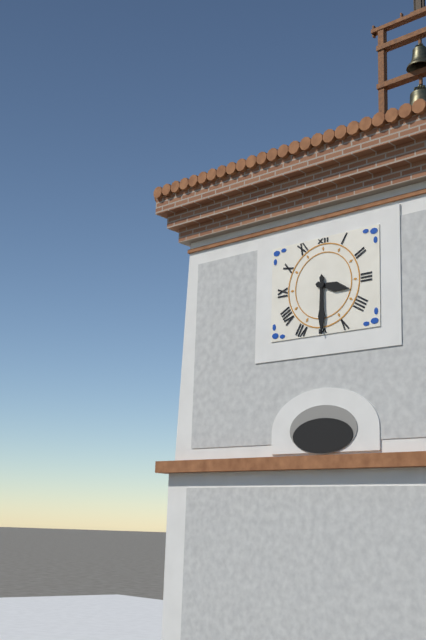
3:30
